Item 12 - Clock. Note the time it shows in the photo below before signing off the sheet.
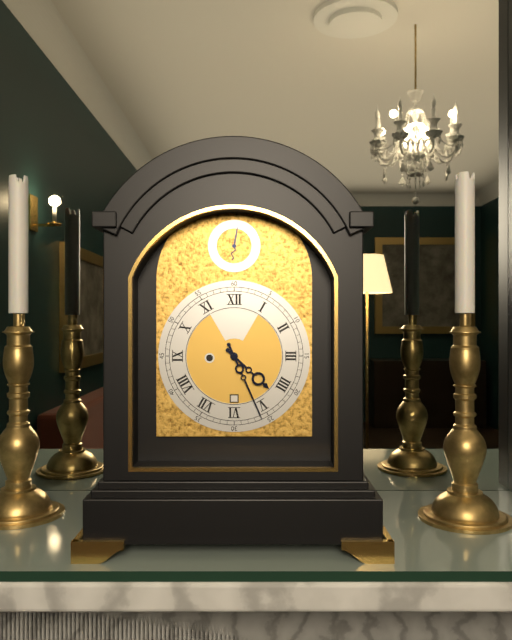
4:26
